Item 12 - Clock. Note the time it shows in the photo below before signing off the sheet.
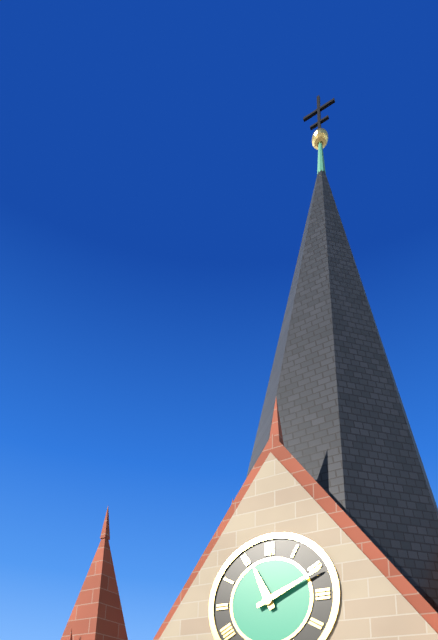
11:11
